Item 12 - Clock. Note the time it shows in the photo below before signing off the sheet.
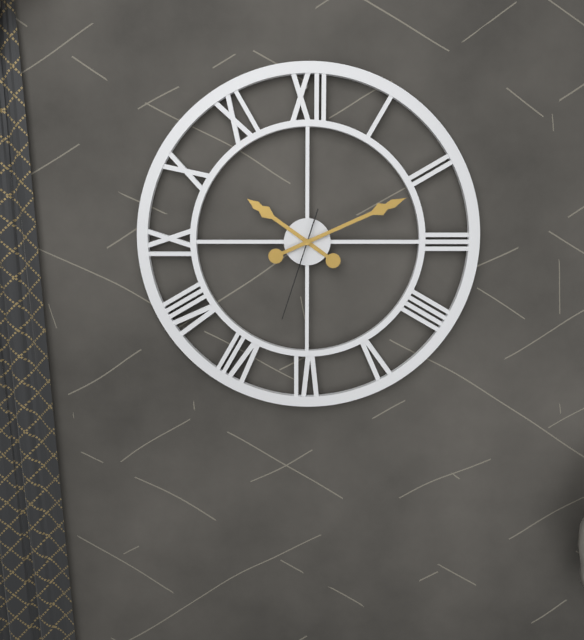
10:11:33
